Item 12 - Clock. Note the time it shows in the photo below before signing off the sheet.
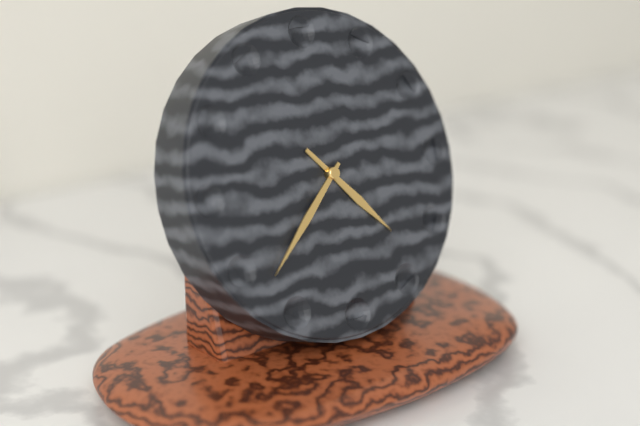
4:38
